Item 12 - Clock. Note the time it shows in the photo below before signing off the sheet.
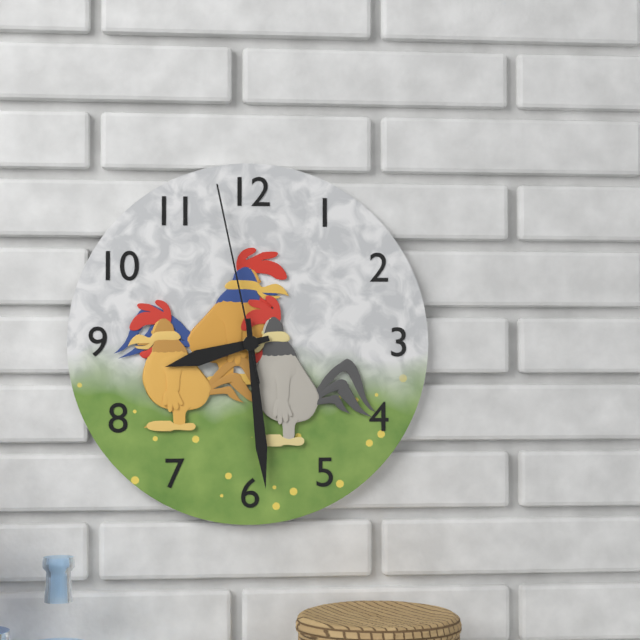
8:29:58
